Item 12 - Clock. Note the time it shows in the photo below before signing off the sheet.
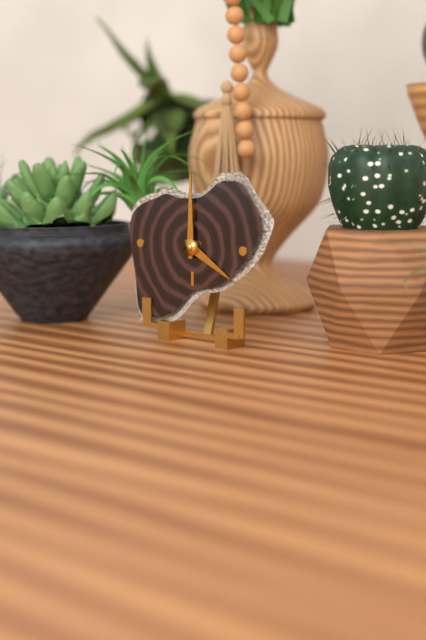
4:00
